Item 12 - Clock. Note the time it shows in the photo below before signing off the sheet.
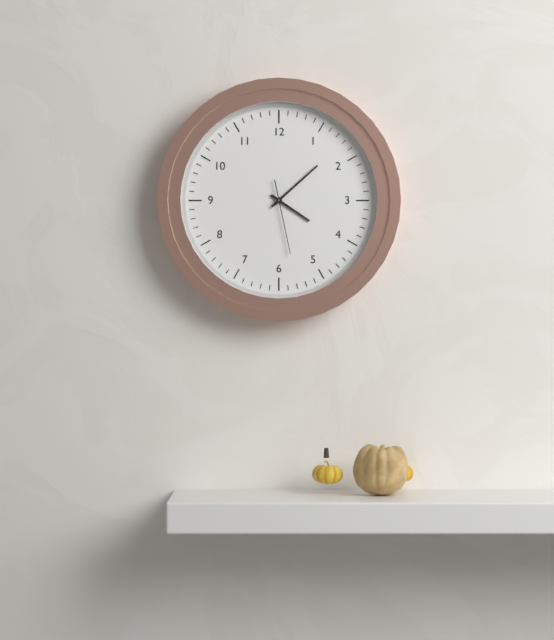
4:08:28
